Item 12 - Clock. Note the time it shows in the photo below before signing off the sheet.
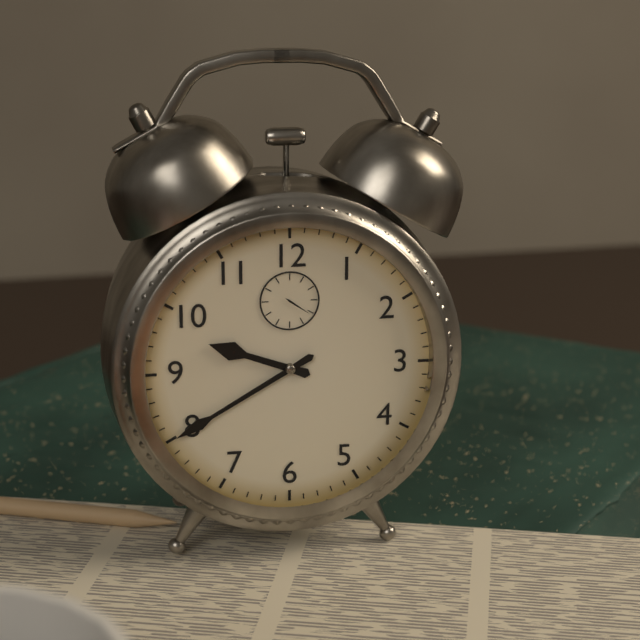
9:40
